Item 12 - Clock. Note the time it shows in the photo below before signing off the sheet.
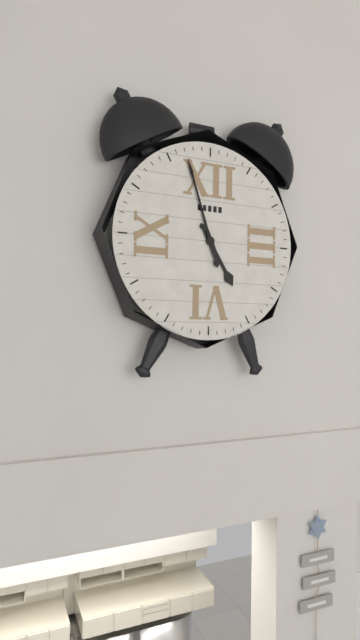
4:57
